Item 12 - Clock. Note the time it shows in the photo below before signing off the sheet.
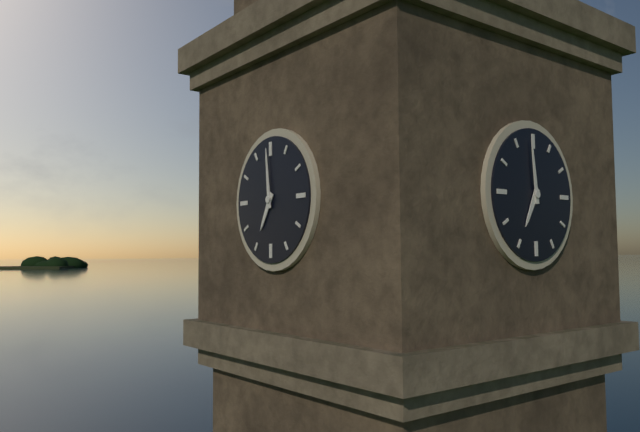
6:59
